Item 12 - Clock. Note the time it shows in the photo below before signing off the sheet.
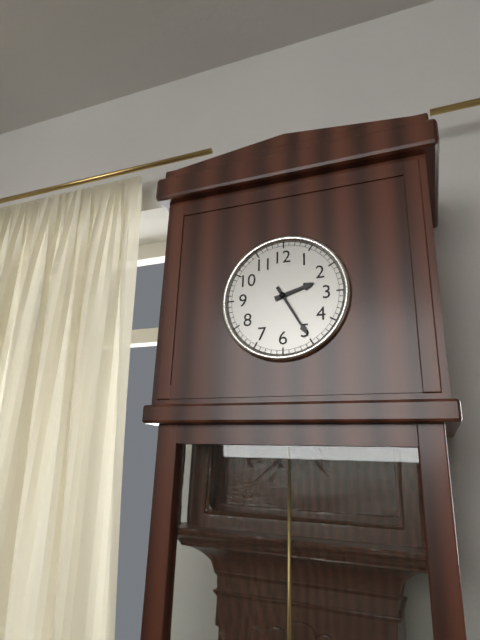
2:25
